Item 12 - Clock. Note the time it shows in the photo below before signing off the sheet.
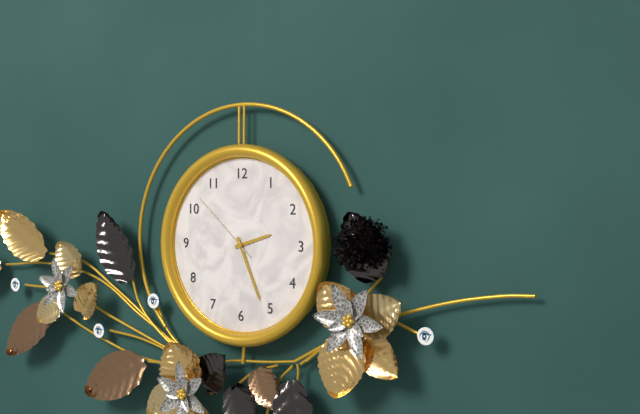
2:26:52
